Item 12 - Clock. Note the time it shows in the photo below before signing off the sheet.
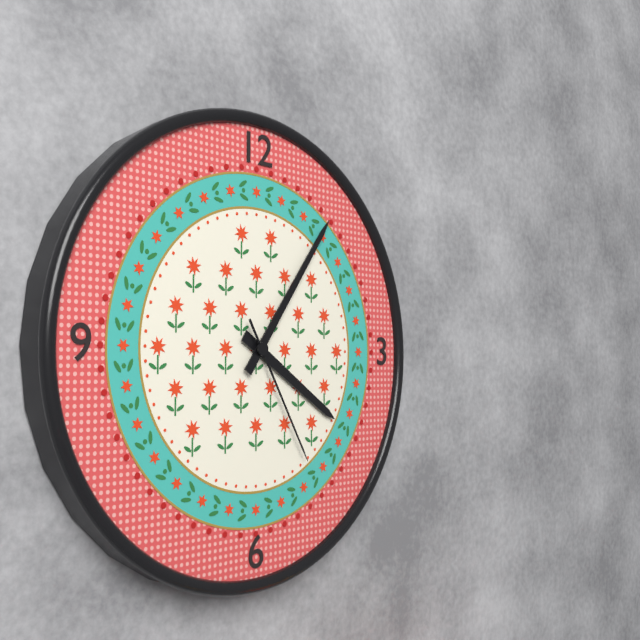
4:06:25
